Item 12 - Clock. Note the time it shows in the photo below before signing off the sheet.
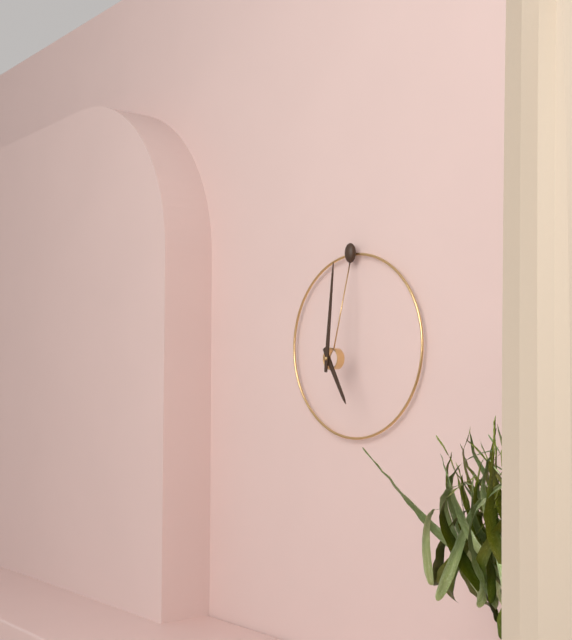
5:01
